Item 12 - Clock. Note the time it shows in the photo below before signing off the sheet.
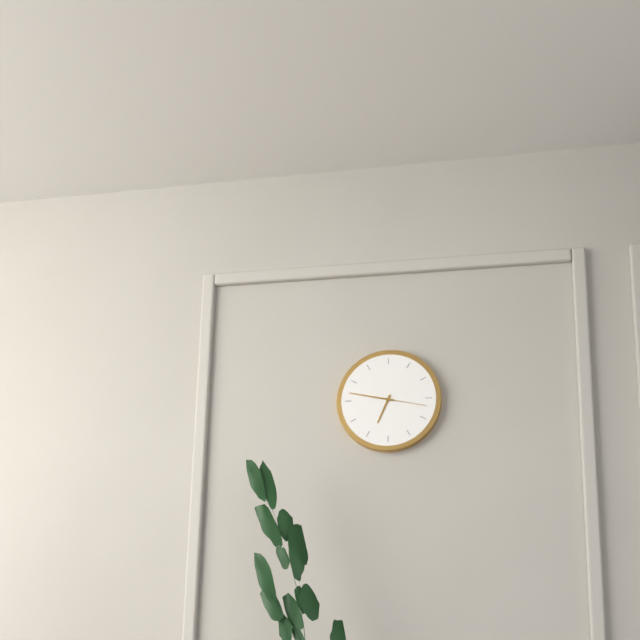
6:47
